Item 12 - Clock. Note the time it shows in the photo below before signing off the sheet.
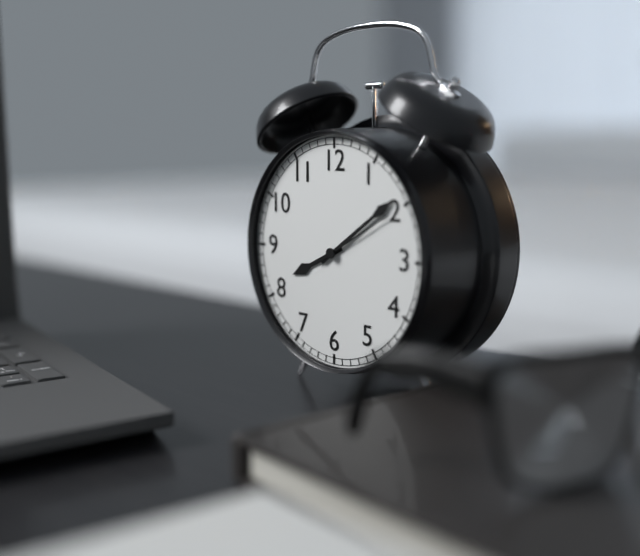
8:09:10
